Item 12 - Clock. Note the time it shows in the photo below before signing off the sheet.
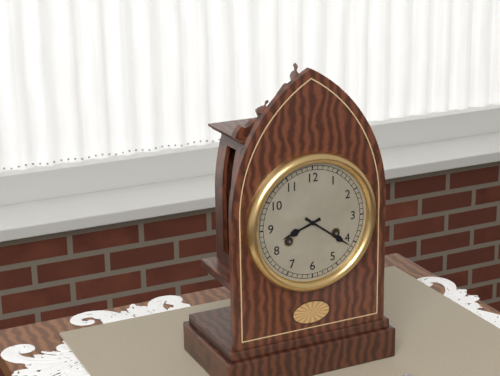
8:21
